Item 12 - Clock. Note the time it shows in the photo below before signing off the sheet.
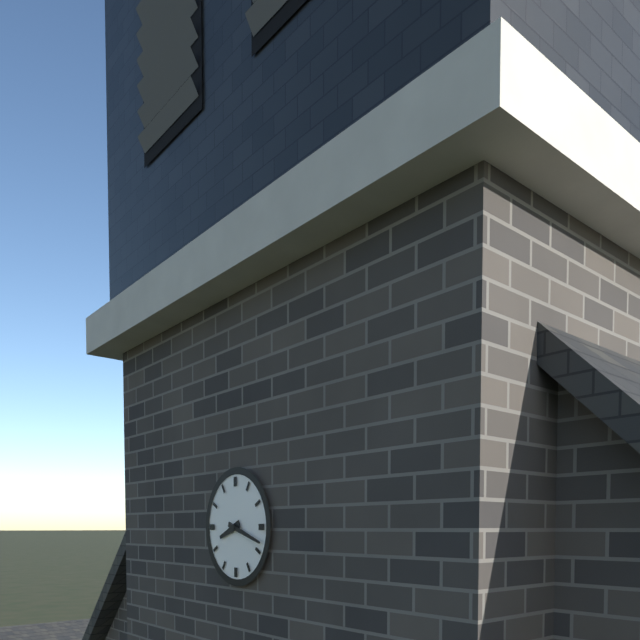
8:18
